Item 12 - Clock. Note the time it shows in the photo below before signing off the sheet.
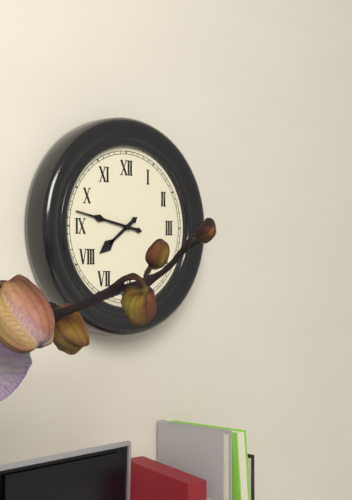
7:47
